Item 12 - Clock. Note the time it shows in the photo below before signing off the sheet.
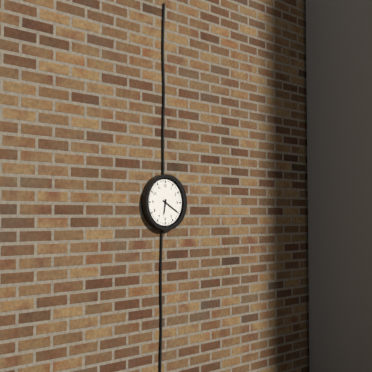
6:20
